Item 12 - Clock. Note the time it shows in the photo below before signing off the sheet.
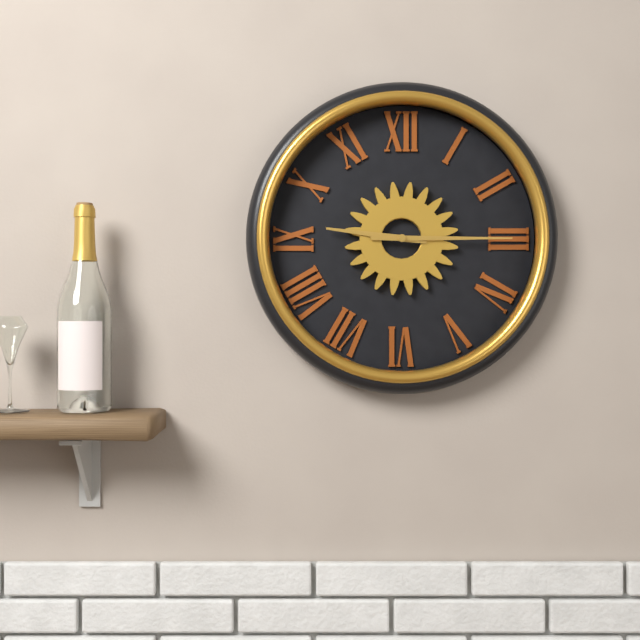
9:15
